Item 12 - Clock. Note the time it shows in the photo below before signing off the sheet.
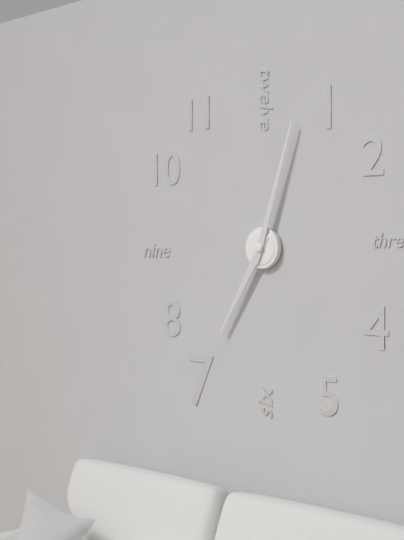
7:03
